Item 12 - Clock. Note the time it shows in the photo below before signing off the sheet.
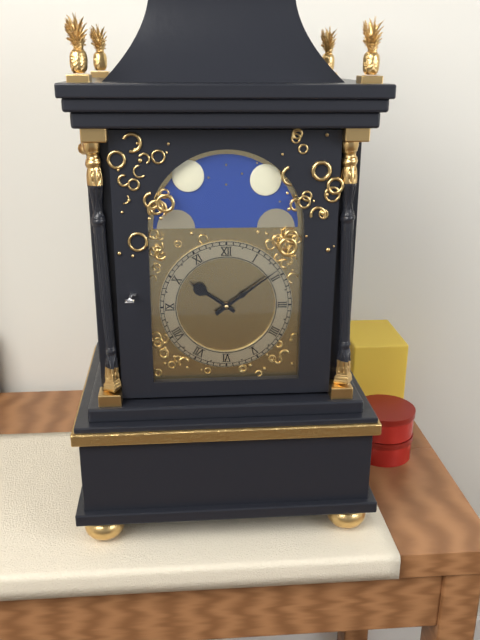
10:09
